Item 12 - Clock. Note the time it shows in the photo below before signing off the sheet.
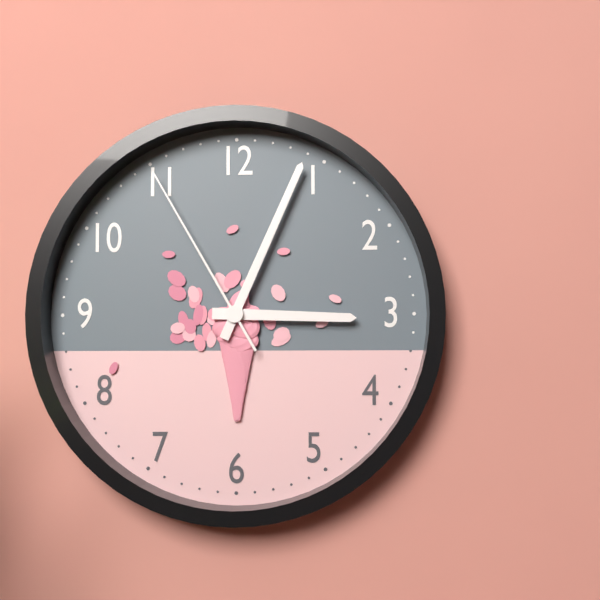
3:04:55
